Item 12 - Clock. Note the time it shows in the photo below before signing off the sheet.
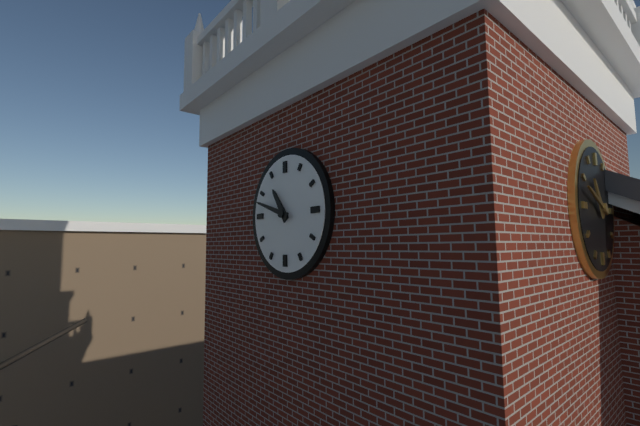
10:48
